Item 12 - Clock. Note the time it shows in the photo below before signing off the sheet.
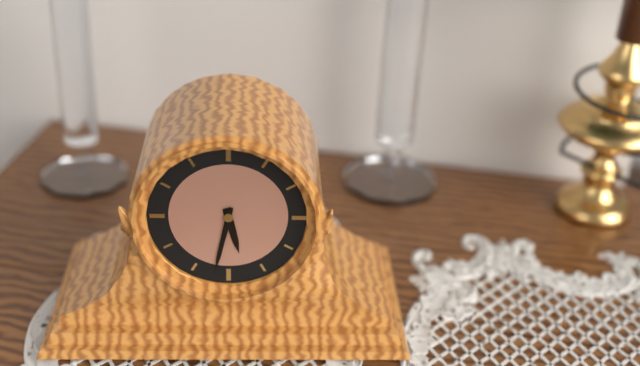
5:32
